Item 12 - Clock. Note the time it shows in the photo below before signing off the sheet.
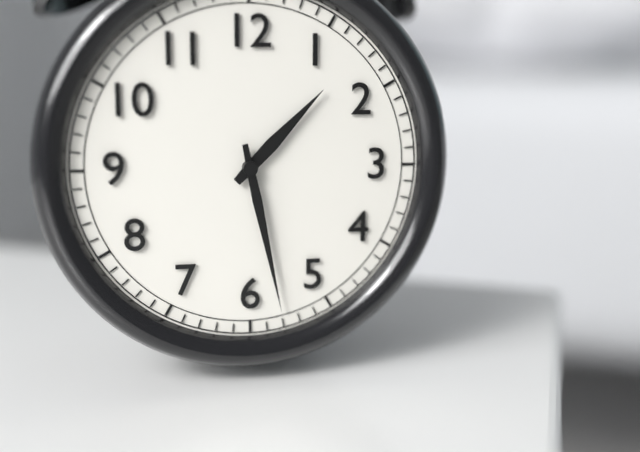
1:28
